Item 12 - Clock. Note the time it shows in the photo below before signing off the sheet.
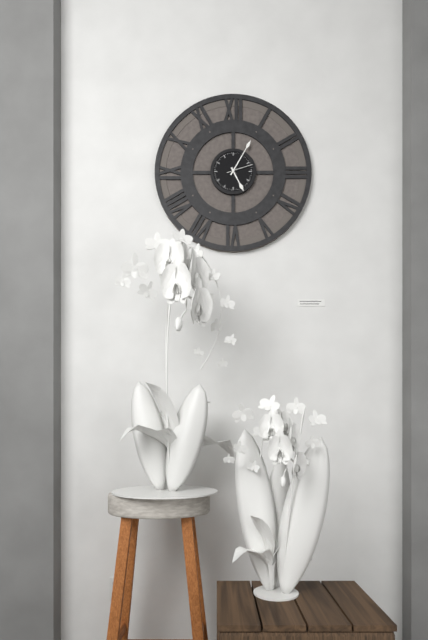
5:05
